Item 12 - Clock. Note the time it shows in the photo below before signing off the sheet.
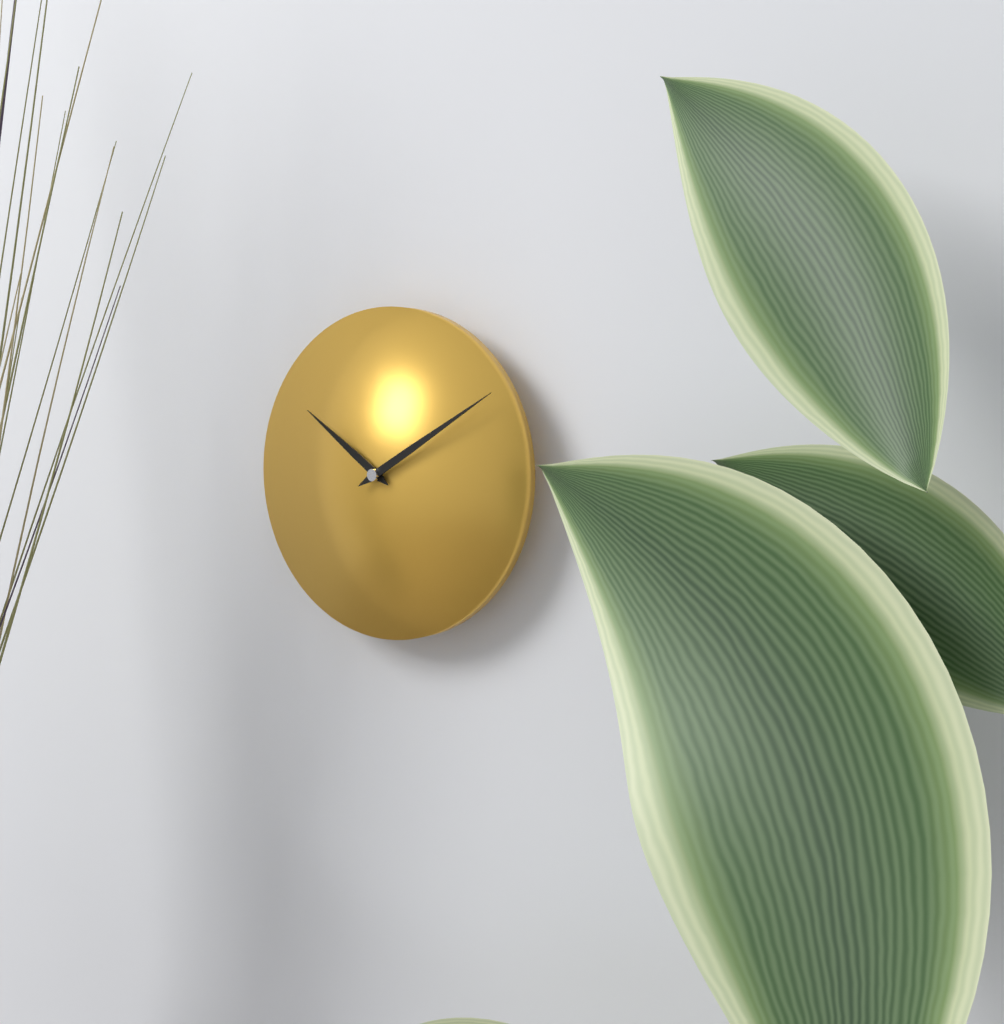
10:10
